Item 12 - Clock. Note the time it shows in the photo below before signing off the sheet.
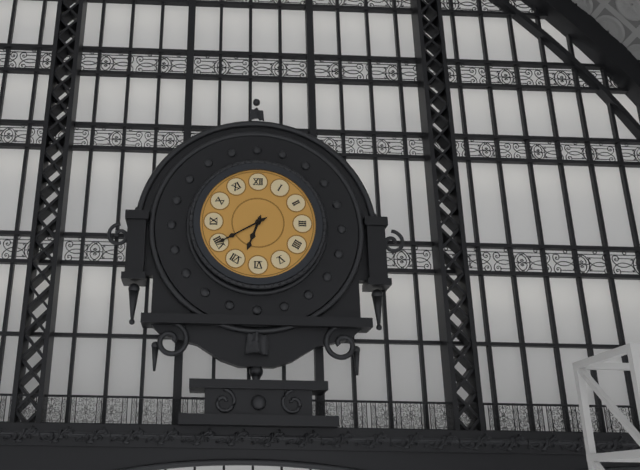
6:40
